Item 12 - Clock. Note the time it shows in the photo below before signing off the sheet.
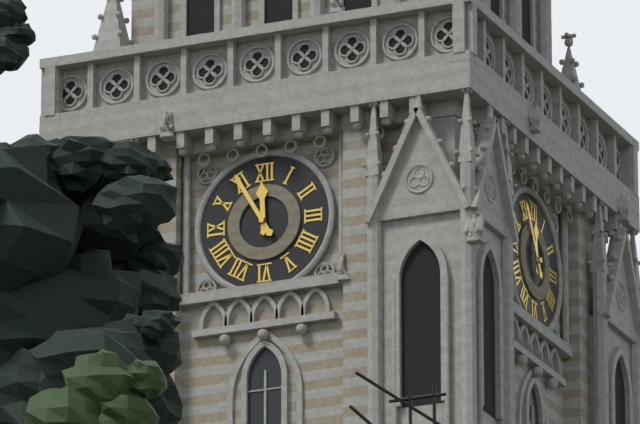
11:55
